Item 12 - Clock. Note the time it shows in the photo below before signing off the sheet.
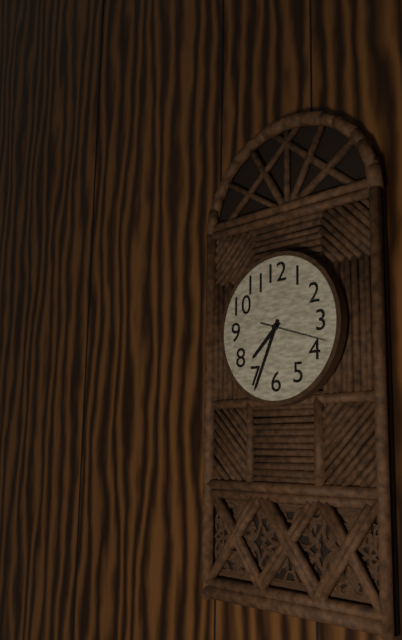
7:34:18
